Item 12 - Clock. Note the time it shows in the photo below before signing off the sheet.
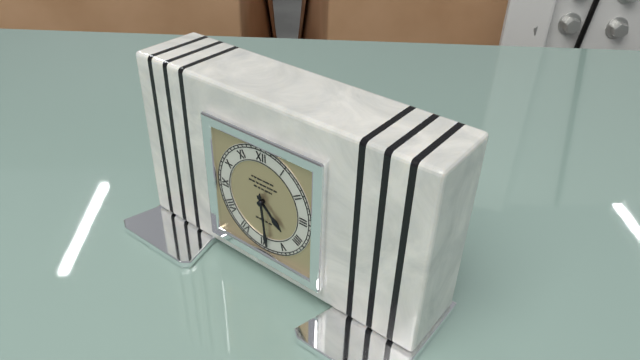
4:29
